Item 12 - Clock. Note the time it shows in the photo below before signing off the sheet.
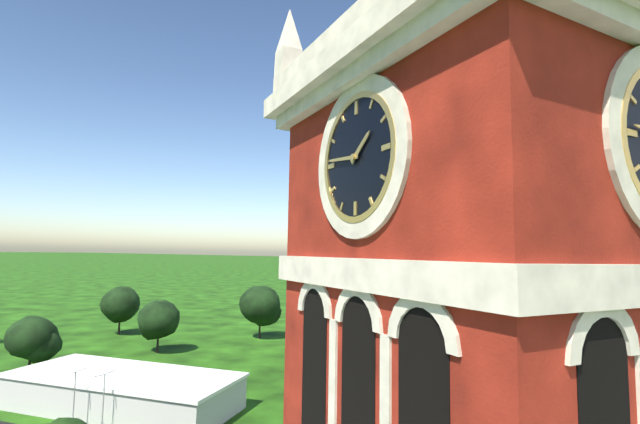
1:46
